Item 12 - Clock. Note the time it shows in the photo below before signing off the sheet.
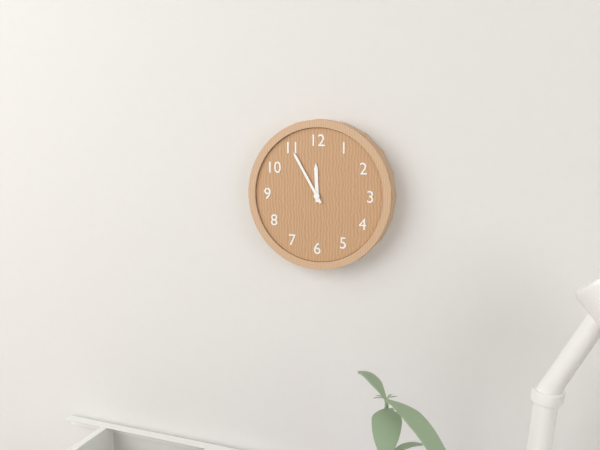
11:55
